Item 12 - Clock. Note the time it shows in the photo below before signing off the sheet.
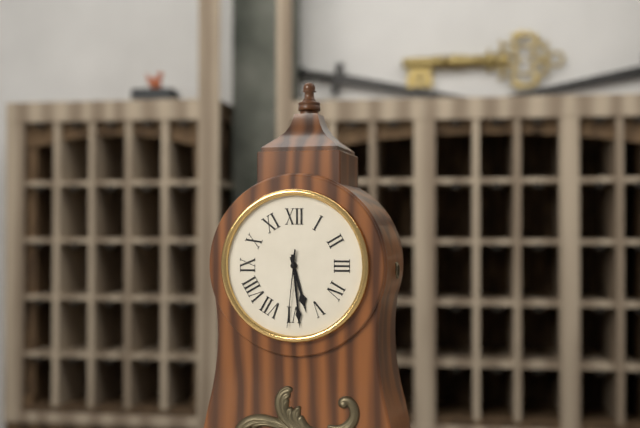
5:29:31
